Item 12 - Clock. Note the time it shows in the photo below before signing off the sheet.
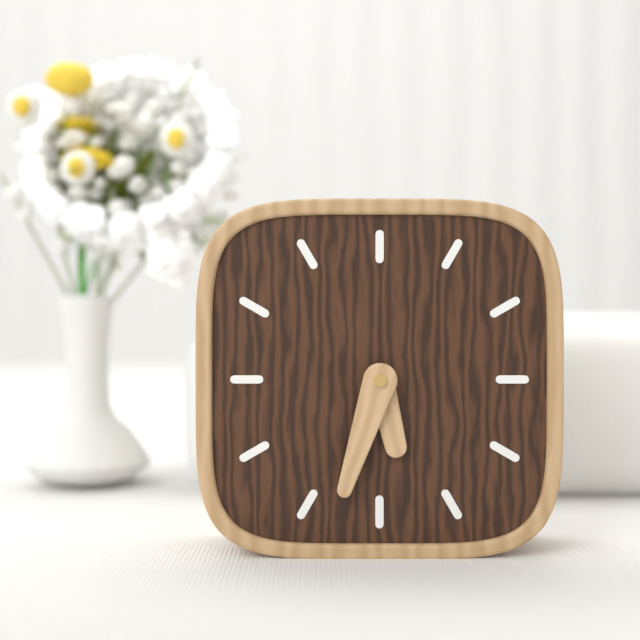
5:33
